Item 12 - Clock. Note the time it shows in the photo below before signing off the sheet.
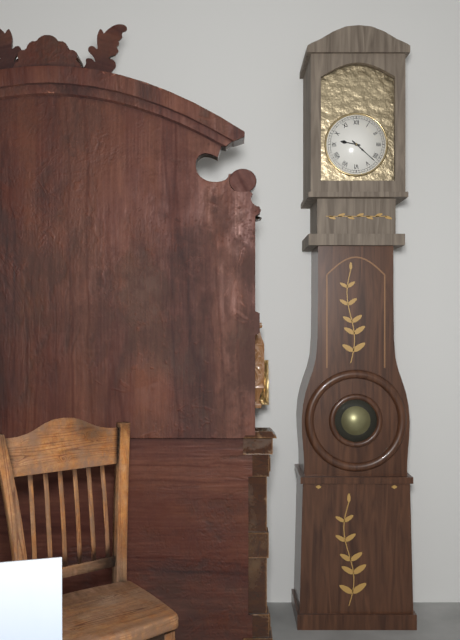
9:22
